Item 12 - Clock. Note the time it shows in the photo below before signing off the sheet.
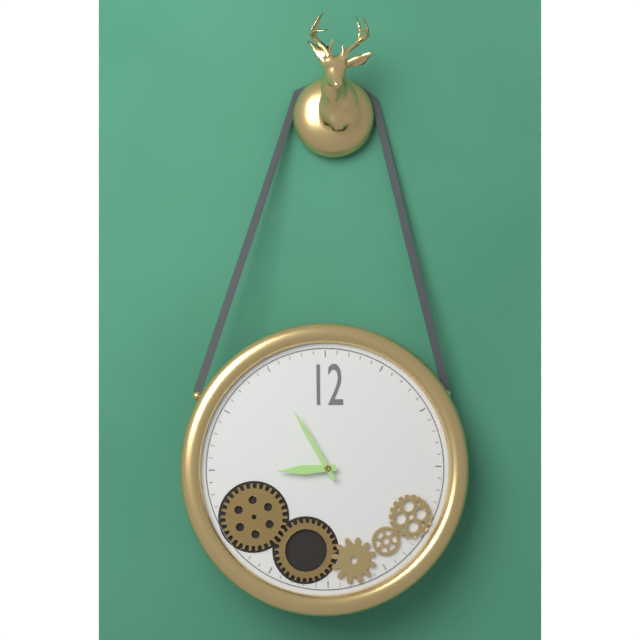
8:55
